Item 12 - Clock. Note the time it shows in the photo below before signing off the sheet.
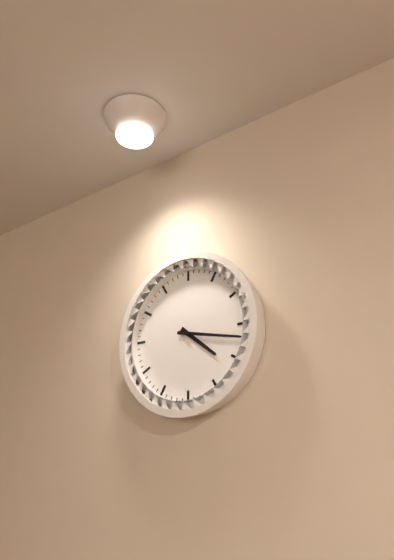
4:17
